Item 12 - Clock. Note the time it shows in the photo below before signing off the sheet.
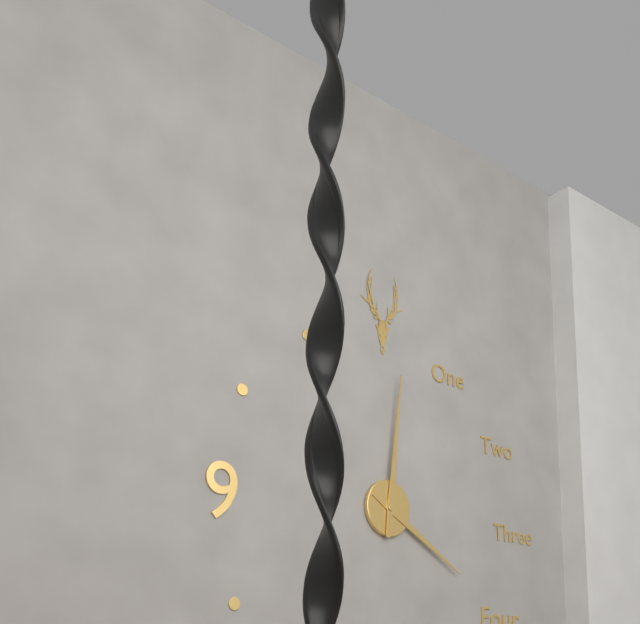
4:01
